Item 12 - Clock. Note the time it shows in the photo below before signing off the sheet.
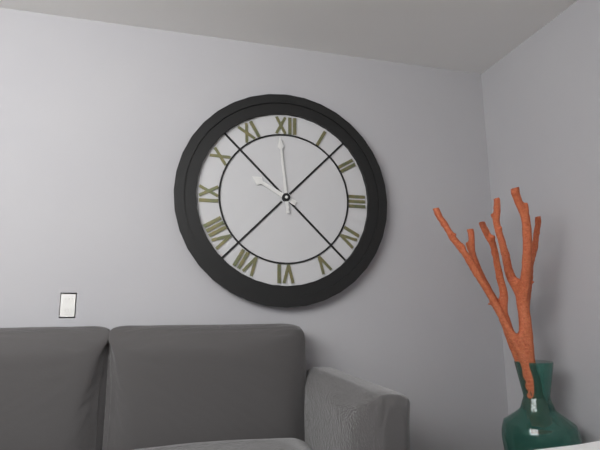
9:59
